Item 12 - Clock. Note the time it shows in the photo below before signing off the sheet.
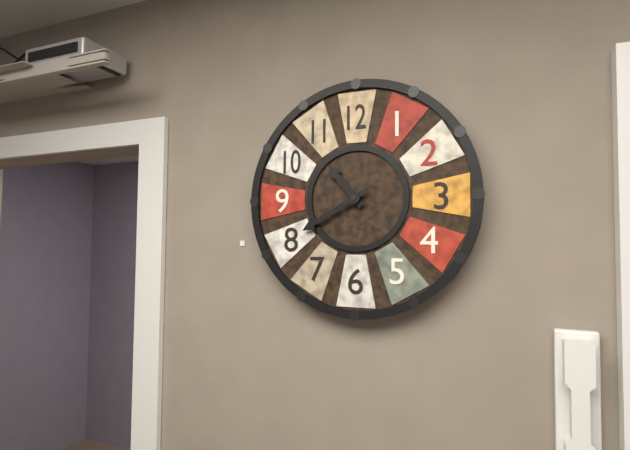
10:40
